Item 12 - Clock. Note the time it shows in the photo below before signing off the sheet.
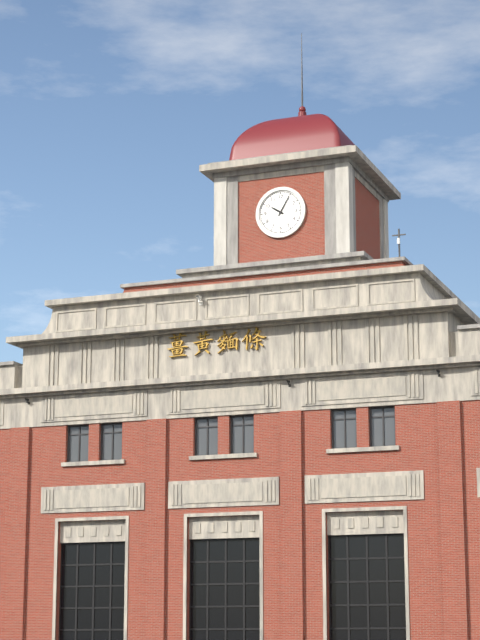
10:05
